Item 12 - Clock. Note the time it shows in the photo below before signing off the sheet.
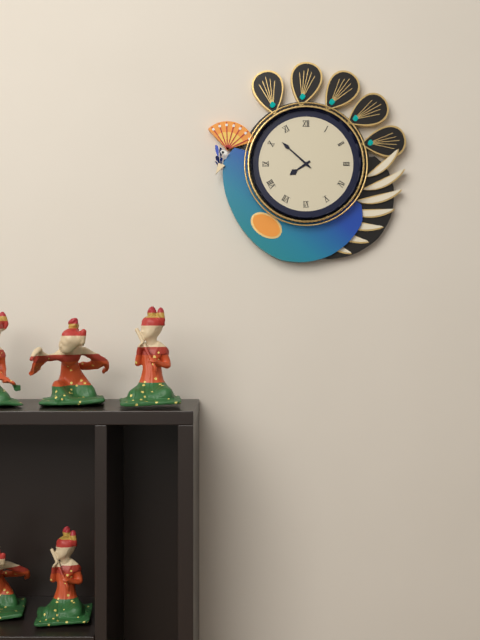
7:52
